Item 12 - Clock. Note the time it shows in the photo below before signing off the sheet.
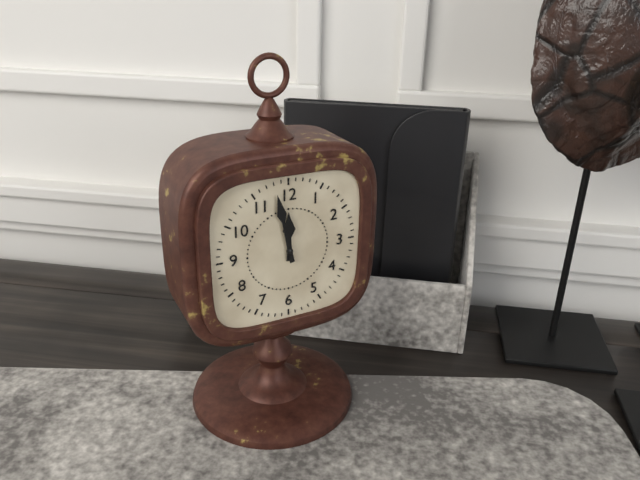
11:58
